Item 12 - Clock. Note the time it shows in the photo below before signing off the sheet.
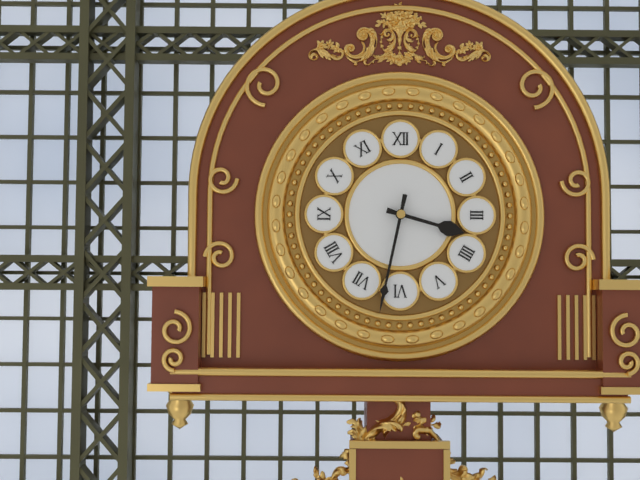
3:32
